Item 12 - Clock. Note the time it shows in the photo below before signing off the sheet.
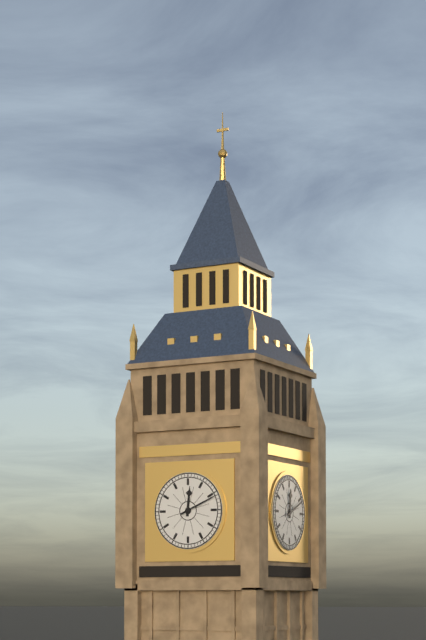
12:11
